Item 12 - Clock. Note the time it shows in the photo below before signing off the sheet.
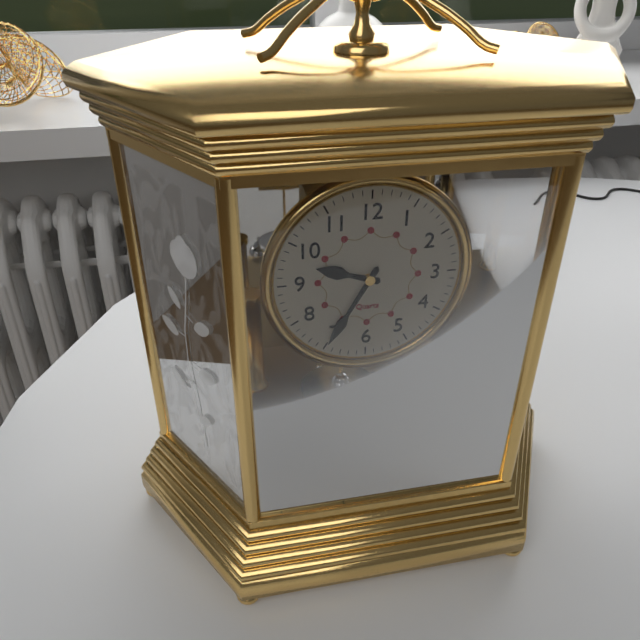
9:35
